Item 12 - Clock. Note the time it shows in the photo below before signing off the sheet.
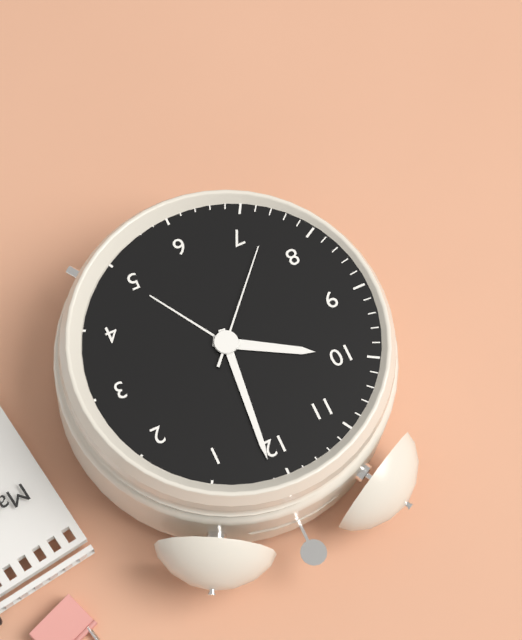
10:01:37
